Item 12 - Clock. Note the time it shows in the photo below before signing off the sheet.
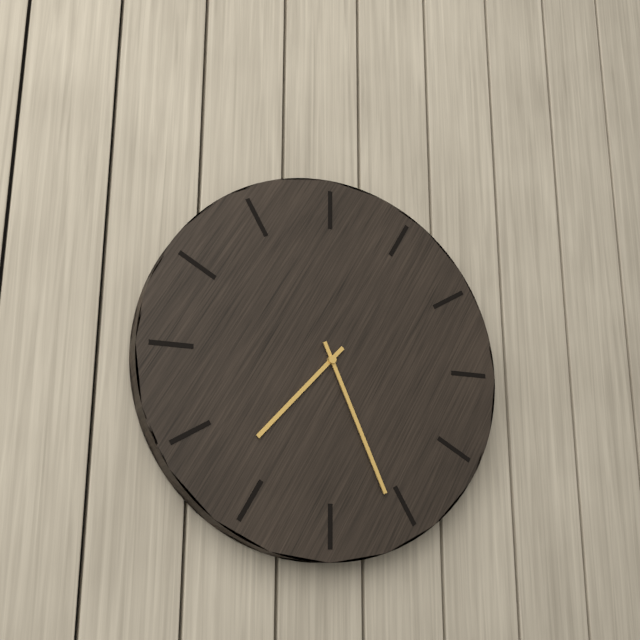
7:26
